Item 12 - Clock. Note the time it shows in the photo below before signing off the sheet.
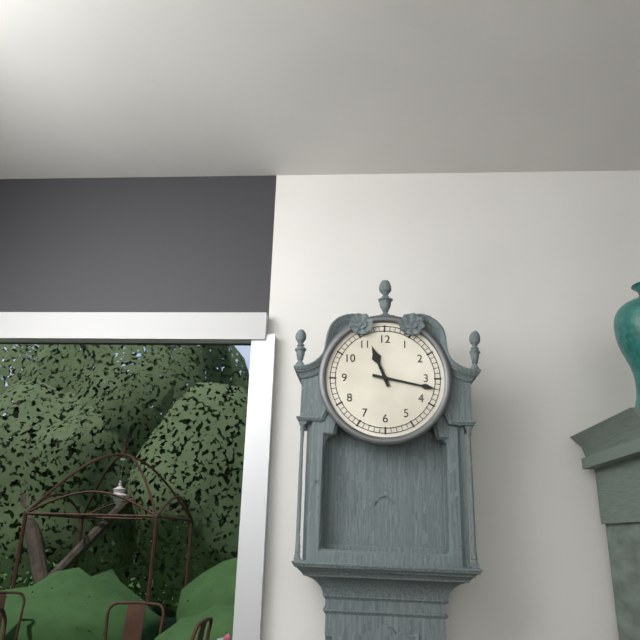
11:17
